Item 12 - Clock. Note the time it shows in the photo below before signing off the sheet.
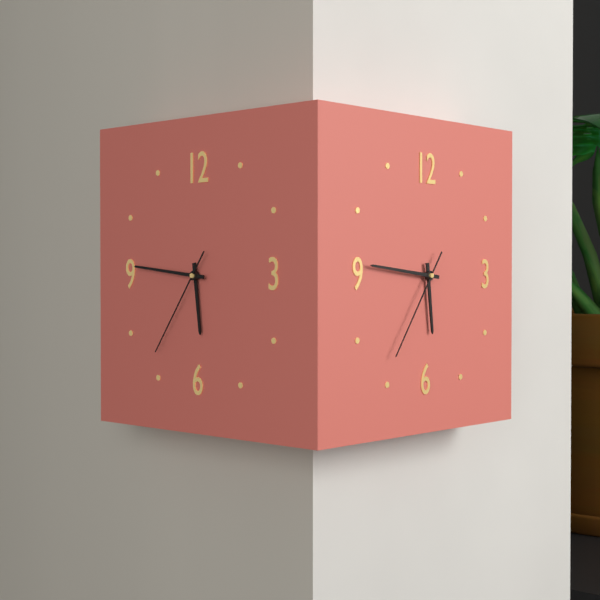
5:46:36
